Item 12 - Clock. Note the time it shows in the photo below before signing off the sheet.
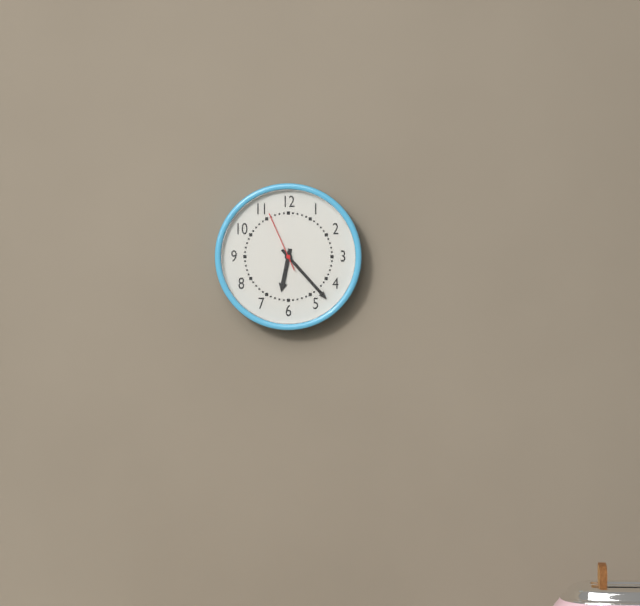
6:23:56
